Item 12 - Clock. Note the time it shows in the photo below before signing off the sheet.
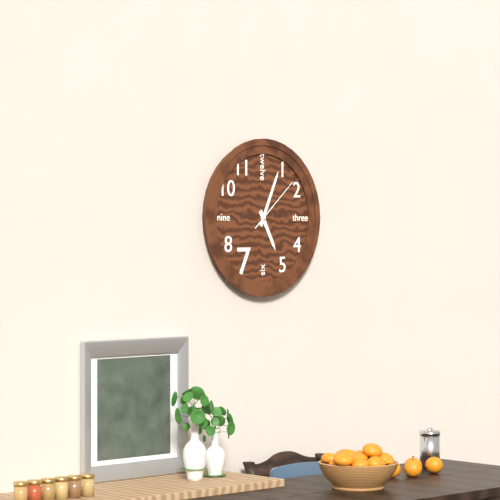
5:04:08
